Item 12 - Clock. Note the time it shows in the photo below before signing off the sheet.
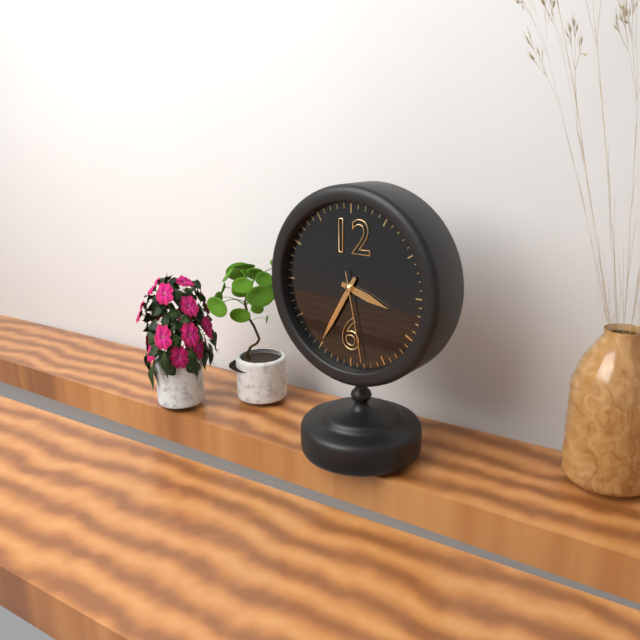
3:35:28
